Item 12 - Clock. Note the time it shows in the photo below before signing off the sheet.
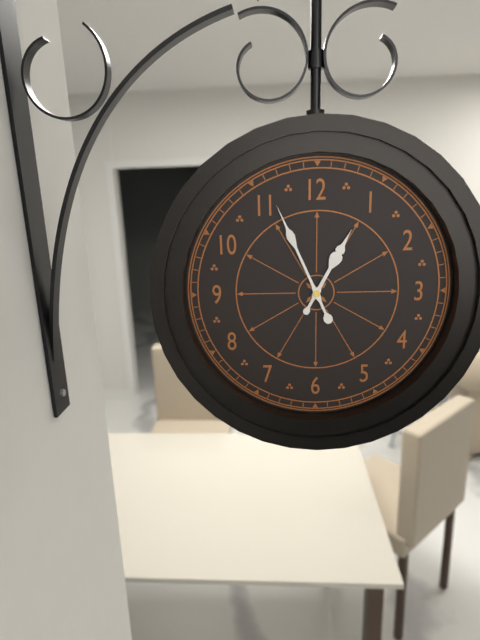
12:56
